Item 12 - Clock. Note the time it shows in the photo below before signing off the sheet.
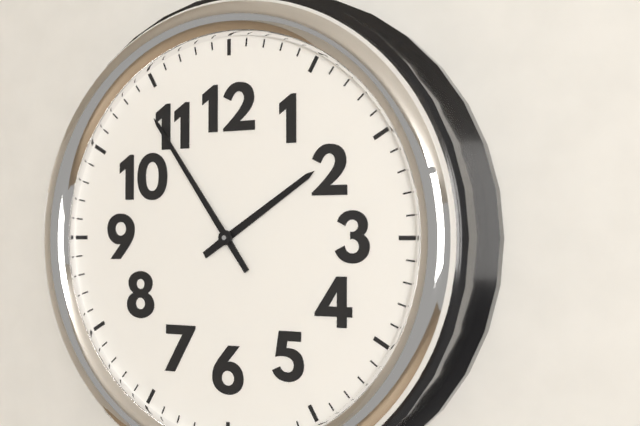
1:54
